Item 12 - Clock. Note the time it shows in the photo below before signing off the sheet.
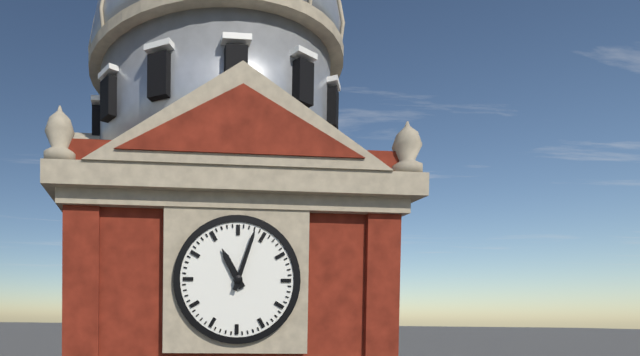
11:03
